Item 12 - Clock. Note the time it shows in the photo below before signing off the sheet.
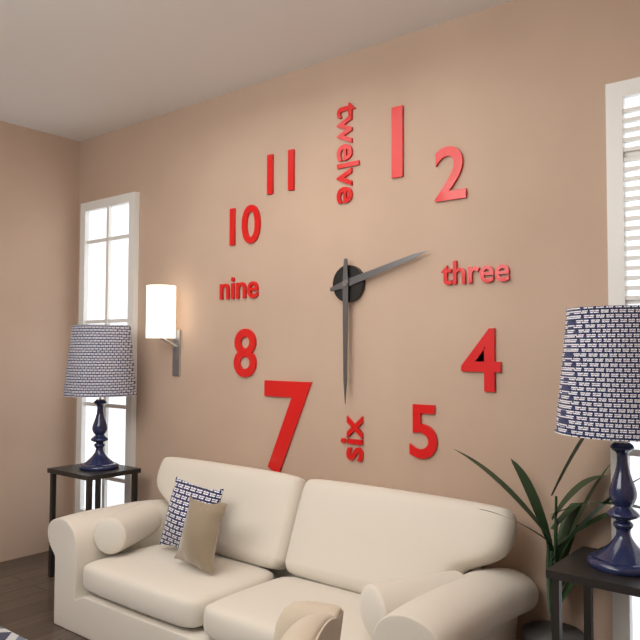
2:30
